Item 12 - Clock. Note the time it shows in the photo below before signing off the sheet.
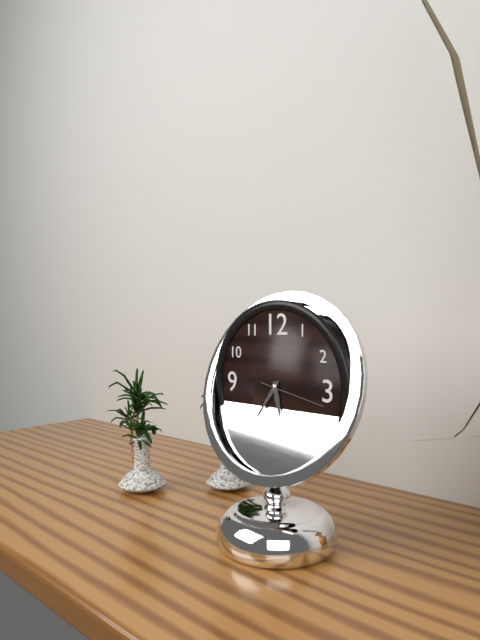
5:36:17
